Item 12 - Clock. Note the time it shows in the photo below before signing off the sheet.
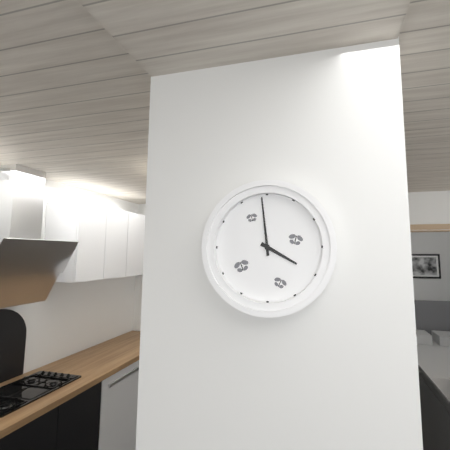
3:59
